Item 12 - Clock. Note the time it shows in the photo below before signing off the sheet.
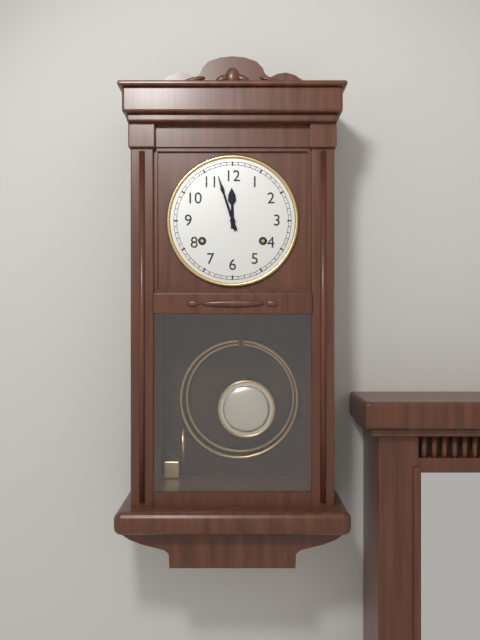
11:57
